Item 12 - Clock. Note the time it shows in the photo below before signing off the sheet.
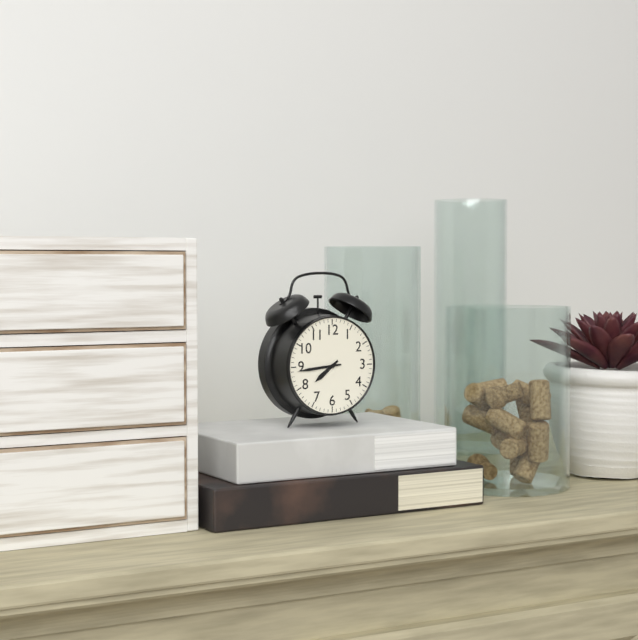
7:44
